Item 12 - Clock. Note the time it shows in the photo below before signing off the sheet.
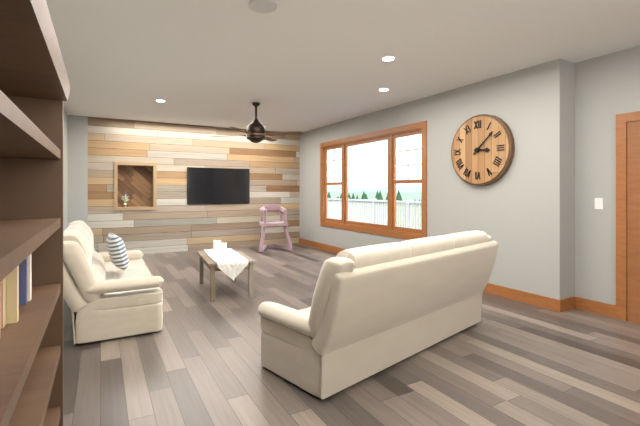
3:08
